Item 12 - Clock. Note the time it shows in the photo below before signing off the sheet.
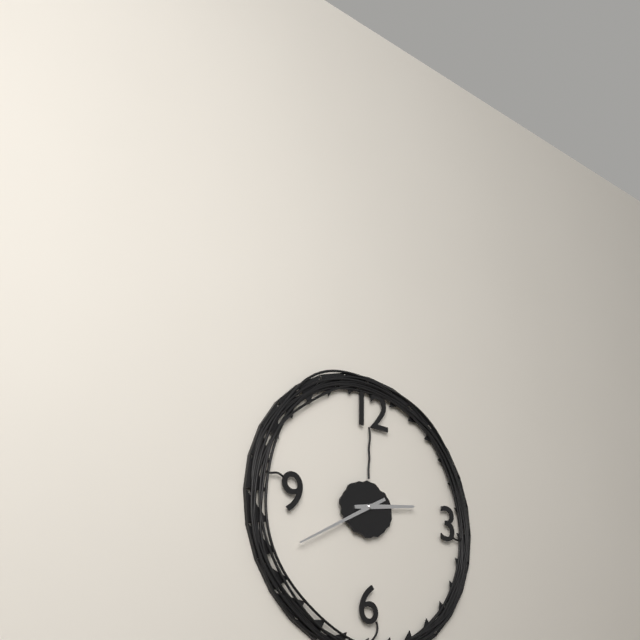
2:40
